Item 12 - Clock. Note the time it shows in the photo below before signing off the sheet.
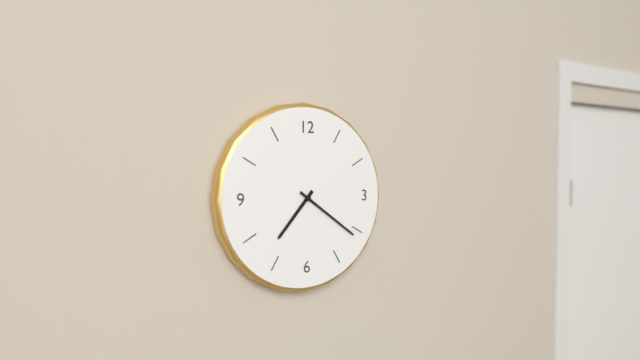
7:21
